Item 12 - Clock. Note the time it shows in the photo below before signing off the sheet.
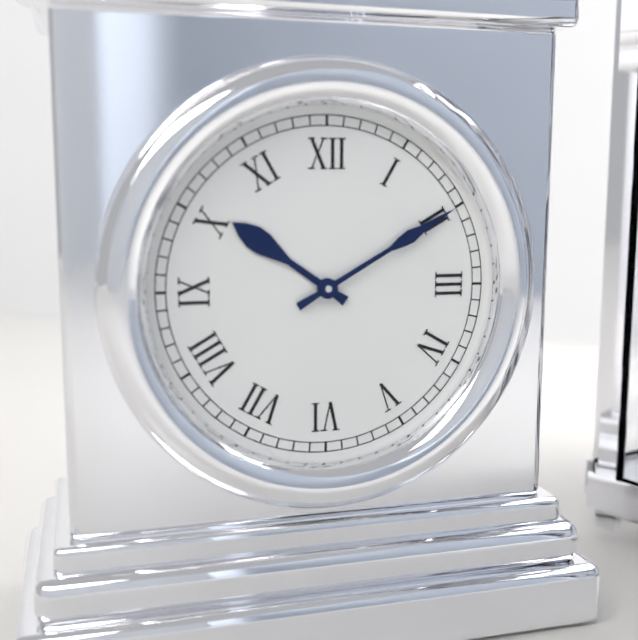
10:10
